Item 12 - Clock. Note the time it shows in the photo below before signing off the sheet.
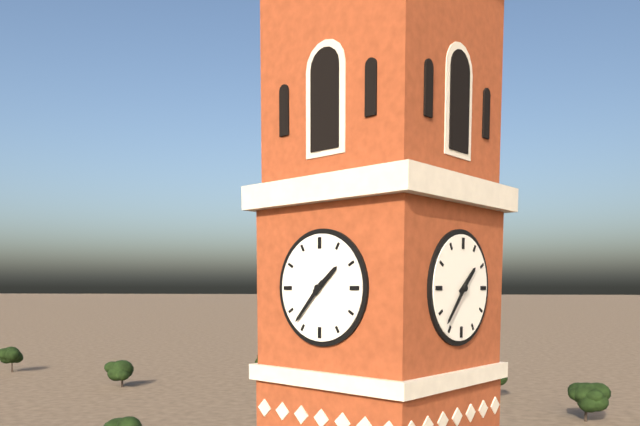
1:37
